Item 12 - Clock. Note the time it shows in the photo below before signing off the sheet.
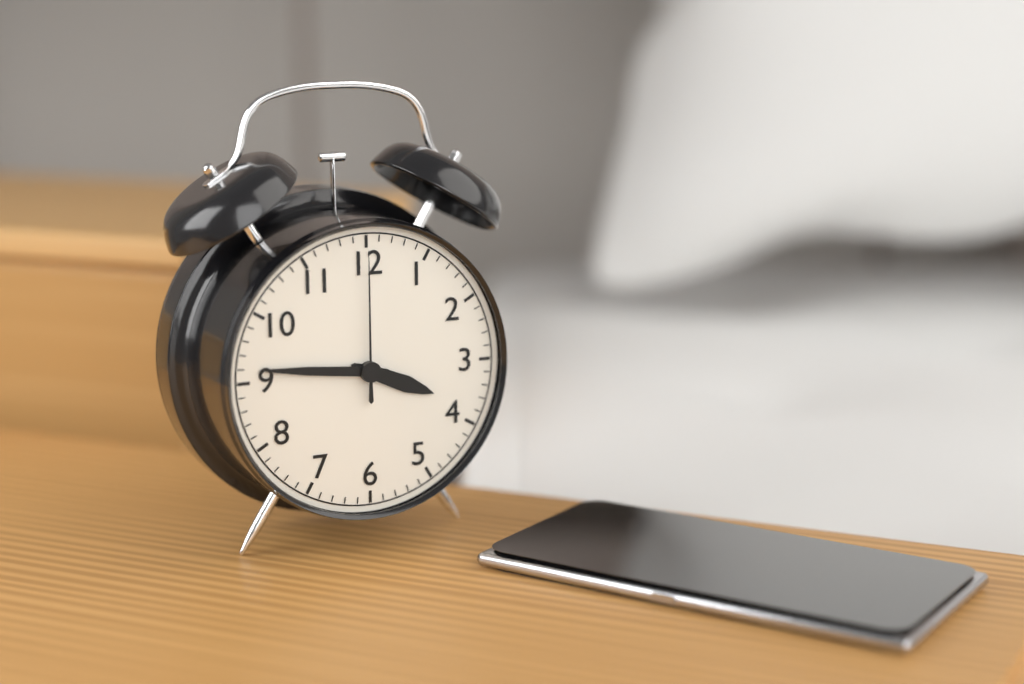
3:46:00
